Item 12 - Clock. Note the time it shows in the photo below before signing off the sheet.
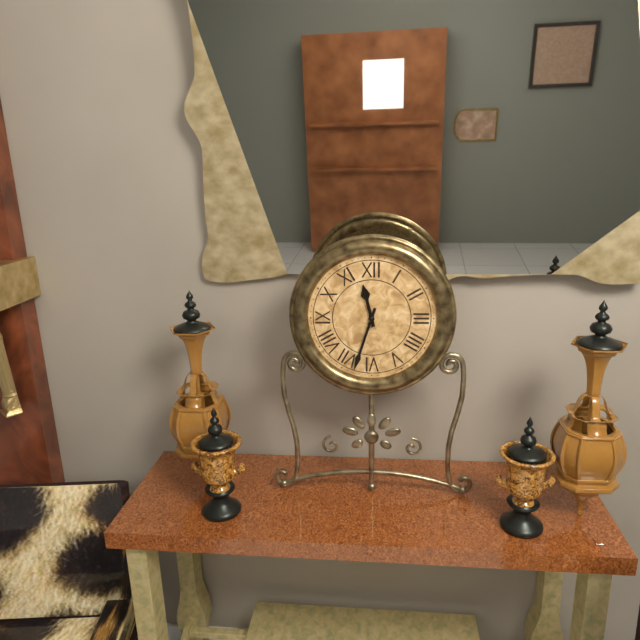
11:33
